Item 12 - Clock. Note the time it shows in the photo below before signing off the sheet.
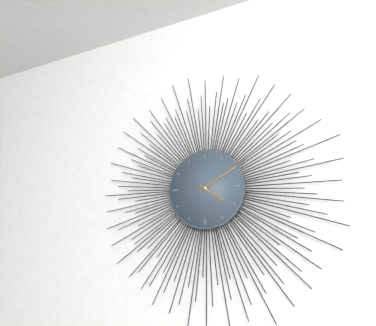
4:10
